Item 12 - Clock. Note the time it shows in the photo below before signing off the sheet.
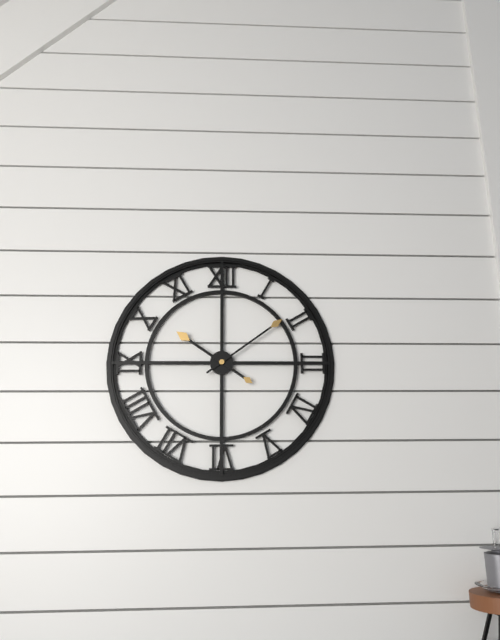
10:09
